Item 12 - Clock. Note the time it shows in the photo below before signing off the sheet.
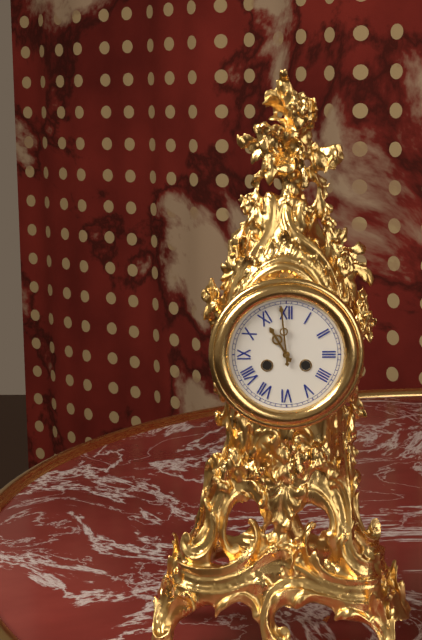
10:59
